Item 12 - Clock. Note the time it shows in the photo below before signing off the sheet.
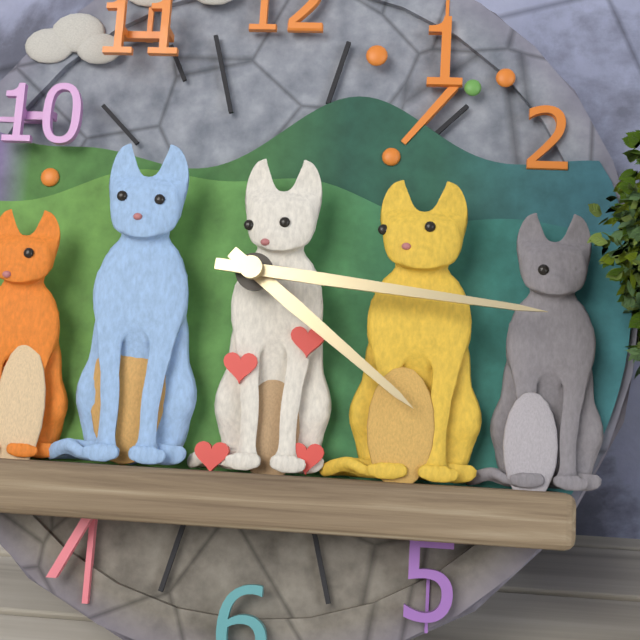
4:16
